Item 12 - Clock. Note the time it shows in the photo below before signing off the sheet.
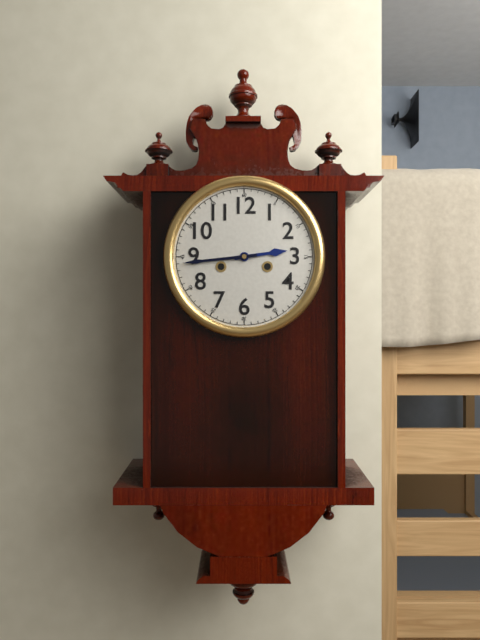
2:44
